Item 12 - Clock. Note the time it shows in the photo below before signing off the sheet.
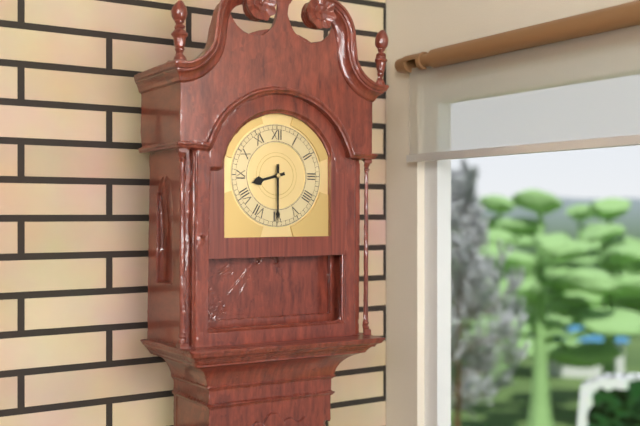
8:30
